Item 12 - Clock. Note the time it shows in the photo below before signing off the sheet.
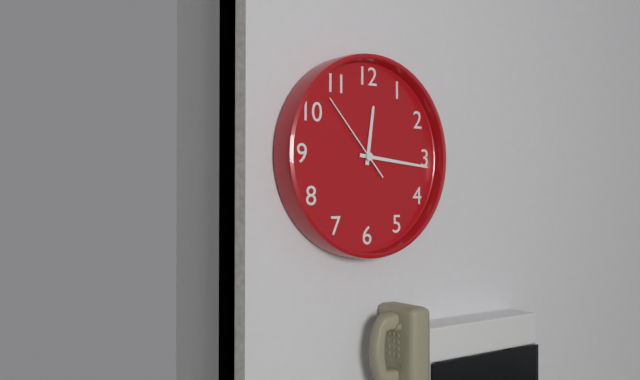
12:16:53
